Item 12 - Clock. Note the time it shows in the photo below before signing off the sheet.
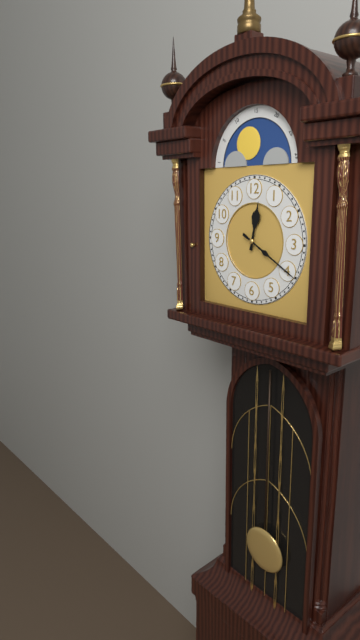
12:20
